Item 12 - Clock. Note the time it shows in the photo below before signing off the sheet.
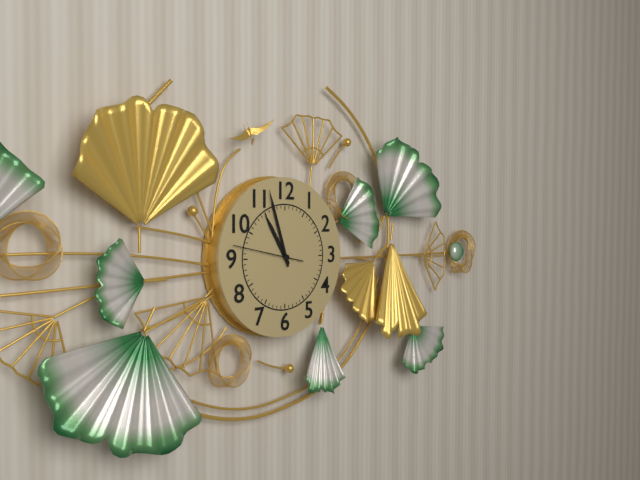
10:57:47
